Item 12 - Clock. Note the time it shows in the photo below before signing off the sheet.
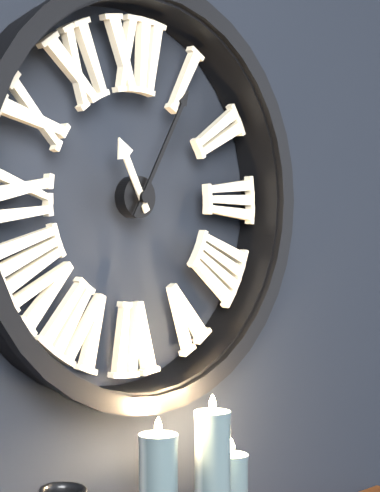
11:05
